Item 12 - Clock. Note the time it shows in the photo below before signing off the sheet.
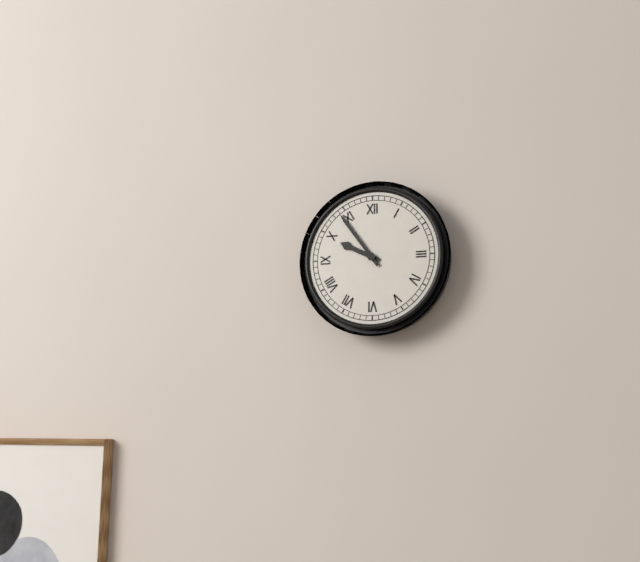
9:54
